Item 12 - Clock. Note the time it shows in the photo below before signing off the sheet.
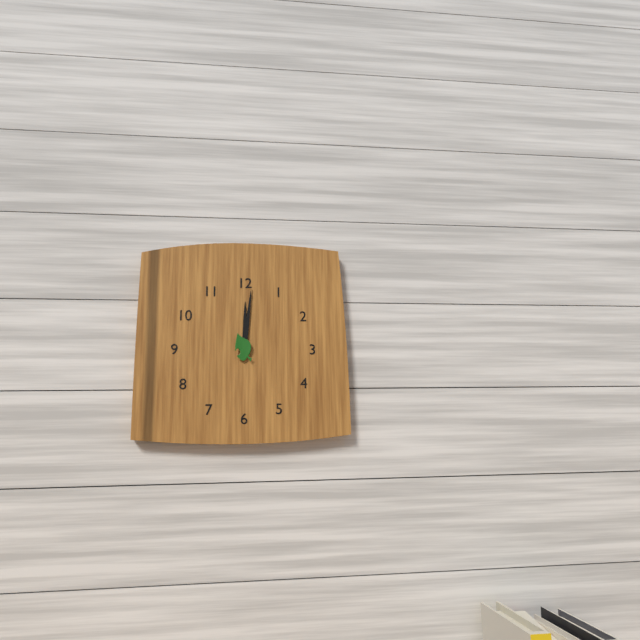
12:01
